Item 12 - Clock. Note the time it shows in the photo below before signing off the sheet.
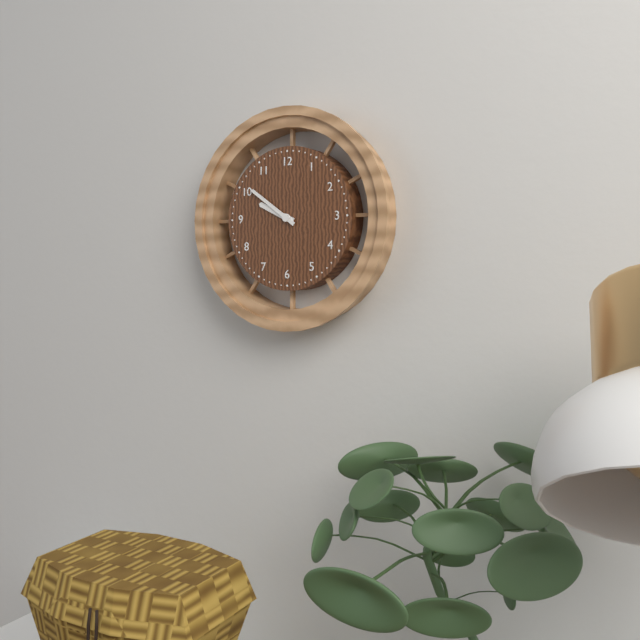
9:51
